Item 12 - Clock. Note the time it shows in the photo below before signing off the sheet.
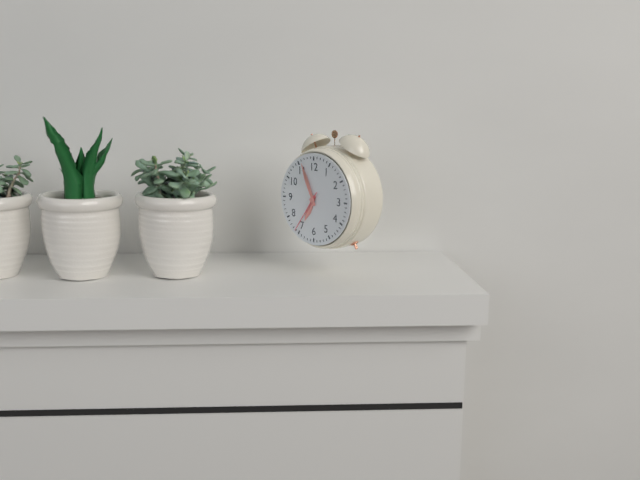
6:56
